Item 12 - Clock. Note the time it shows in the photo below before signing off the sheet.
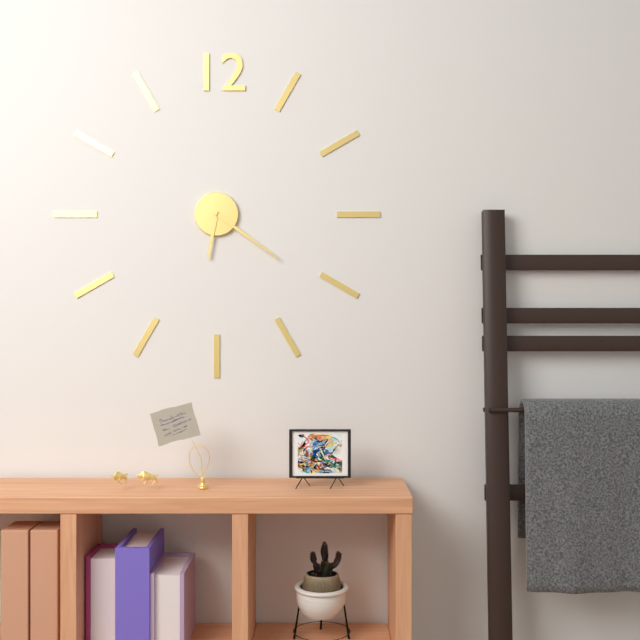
6:21
